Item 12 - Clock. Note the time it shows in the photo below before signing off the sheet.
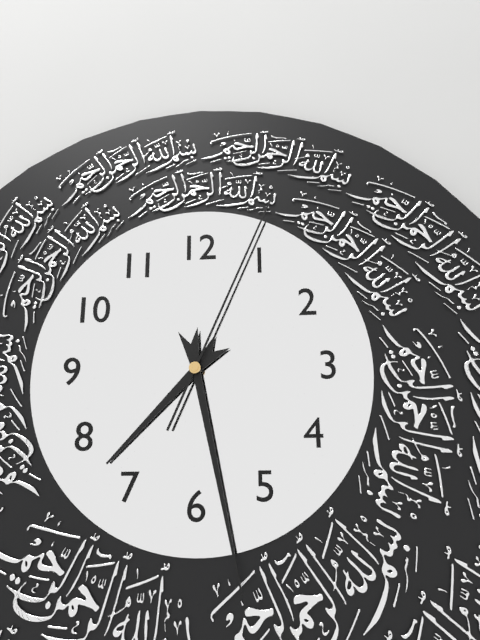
7:28:04
